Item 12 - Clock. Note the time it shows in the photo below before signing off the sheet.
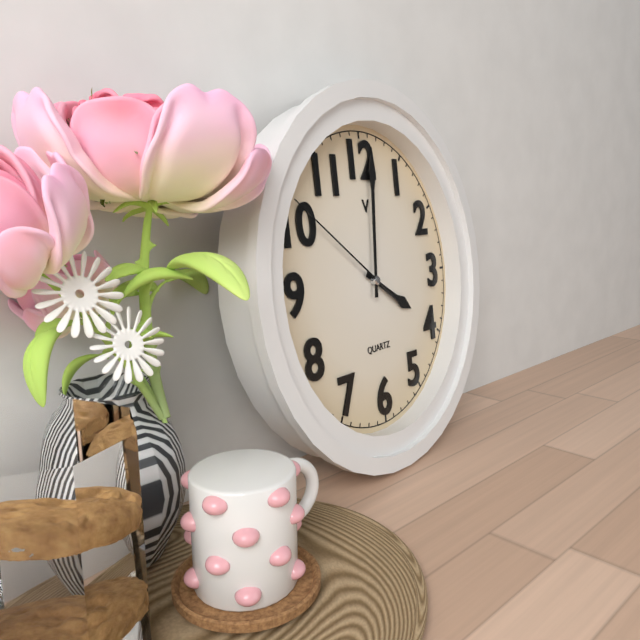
4:01:51
